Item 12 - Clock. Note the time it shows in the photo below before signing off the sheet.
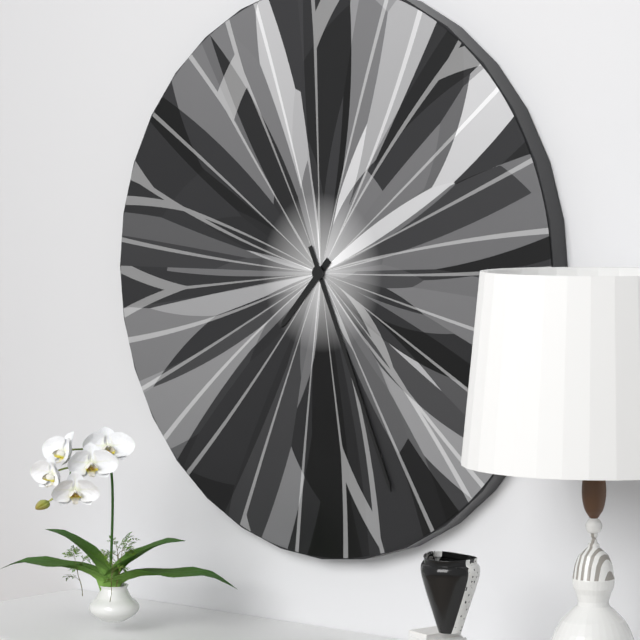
7:26
